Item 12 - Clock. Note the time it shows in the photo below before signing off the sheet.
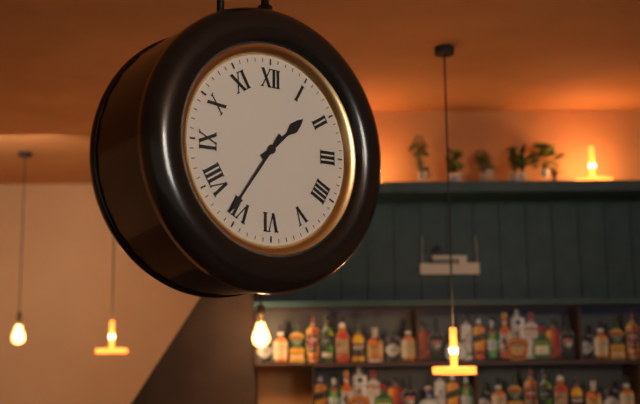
1:36
